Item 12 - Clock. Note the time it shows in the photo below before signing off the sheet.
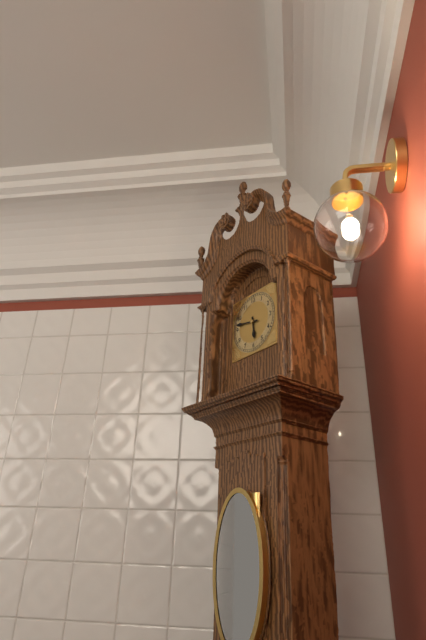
5:47
